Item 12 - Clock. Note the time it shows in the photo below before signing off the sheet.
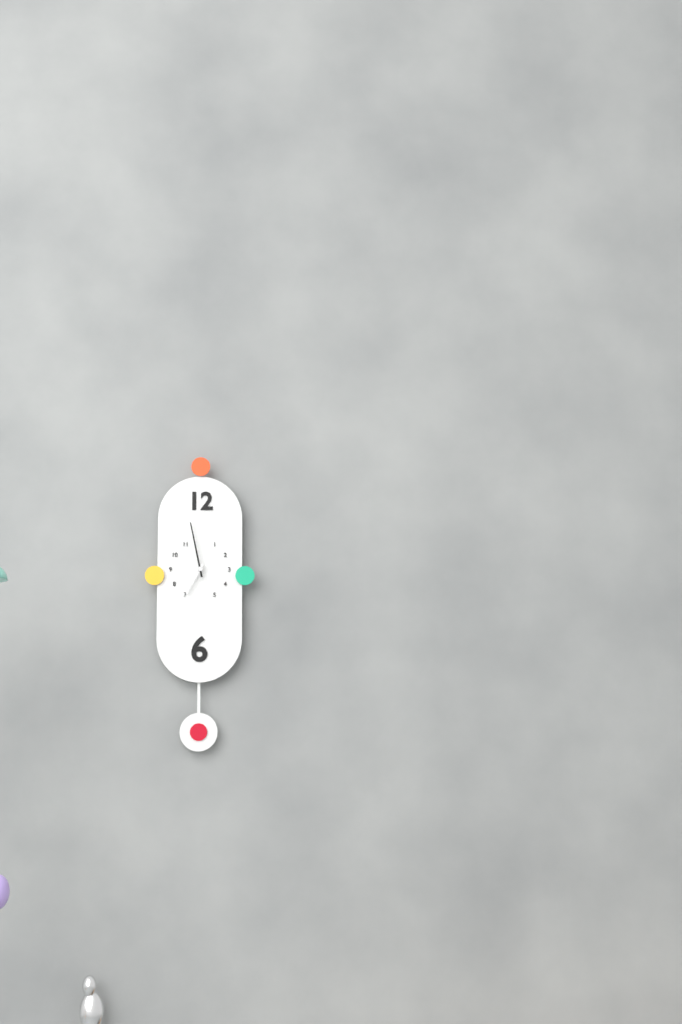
6:58
